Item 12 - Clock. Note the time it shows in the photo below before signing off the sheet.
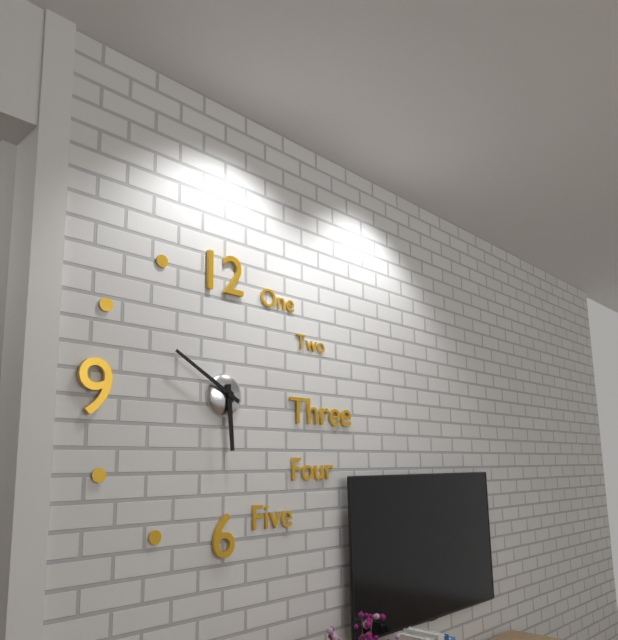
5:50
